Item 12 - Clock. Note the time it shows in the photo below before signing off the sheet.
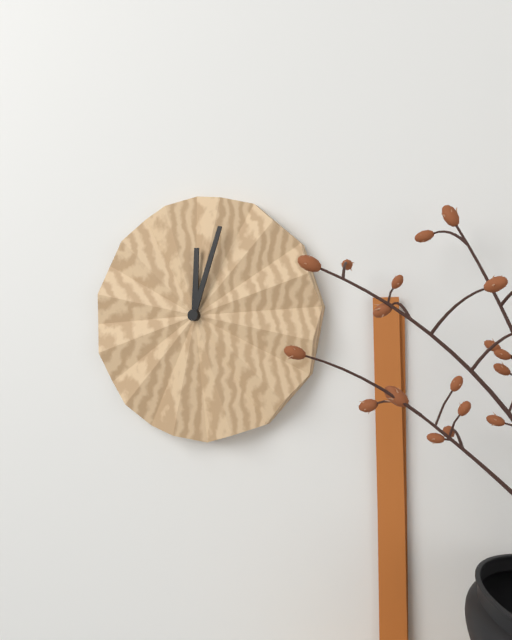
12:03
